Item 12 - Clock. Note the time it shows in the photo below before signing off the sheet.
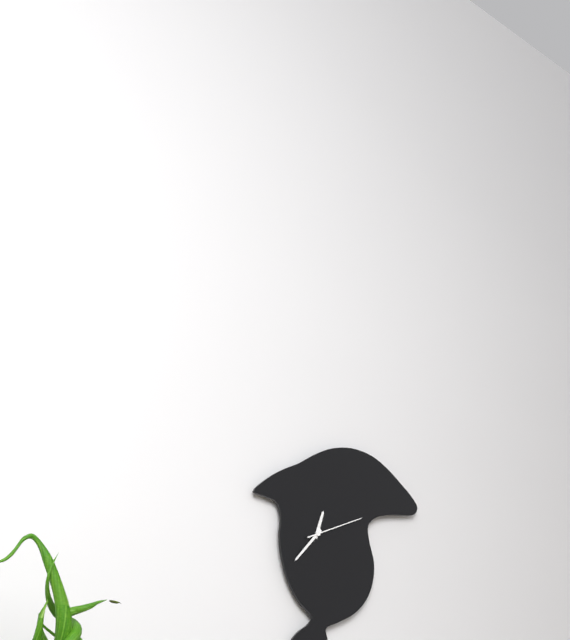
12:37:11
